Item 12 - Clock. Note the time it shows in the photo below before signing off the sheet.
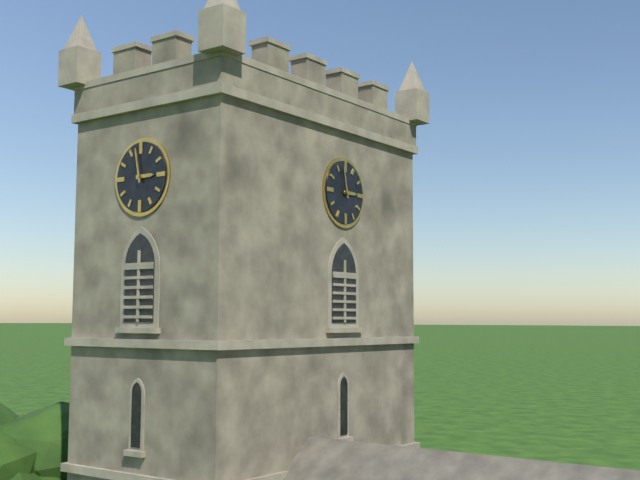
2:58
